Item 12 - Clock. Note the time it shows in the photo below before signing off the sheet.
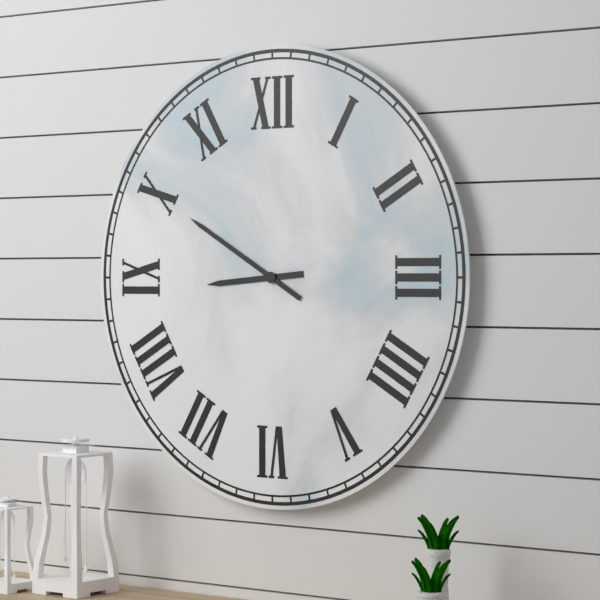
8:50
